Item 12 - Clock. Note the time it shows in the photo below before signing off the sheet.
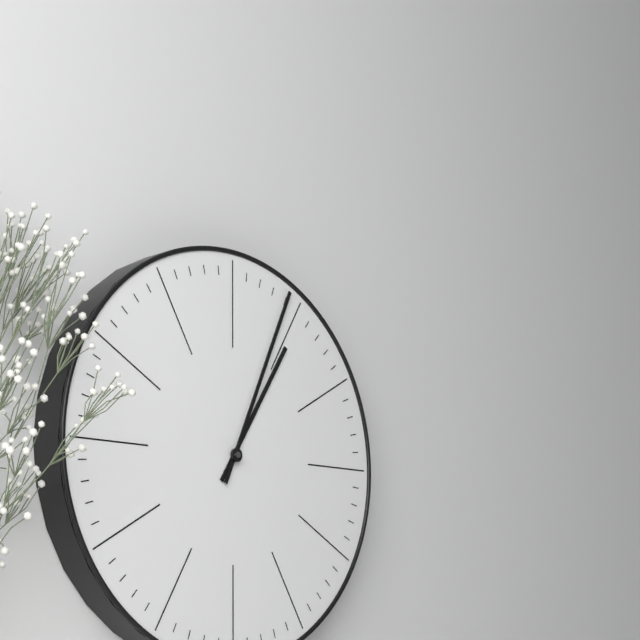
1:04
